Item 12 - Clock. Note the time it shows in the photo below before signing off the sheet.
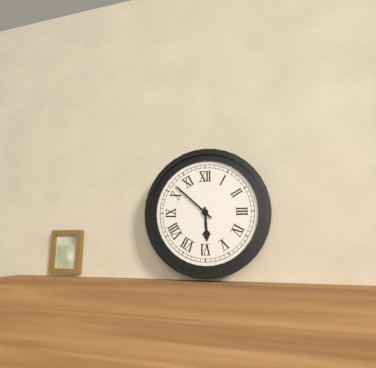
5:52
